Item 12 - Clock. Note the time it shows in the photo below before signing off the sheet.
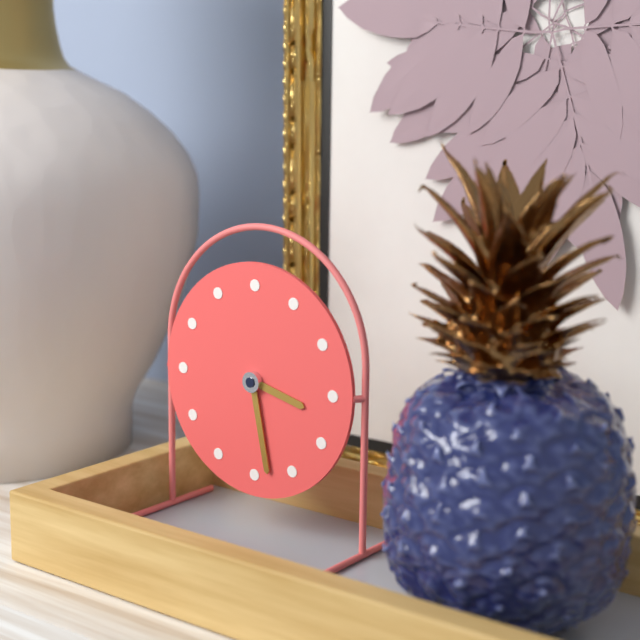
3:28
